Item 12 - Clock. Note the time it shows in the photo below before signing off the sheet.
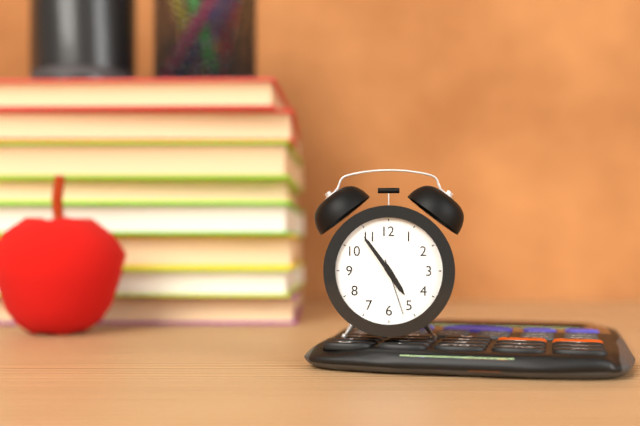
4:54:27
